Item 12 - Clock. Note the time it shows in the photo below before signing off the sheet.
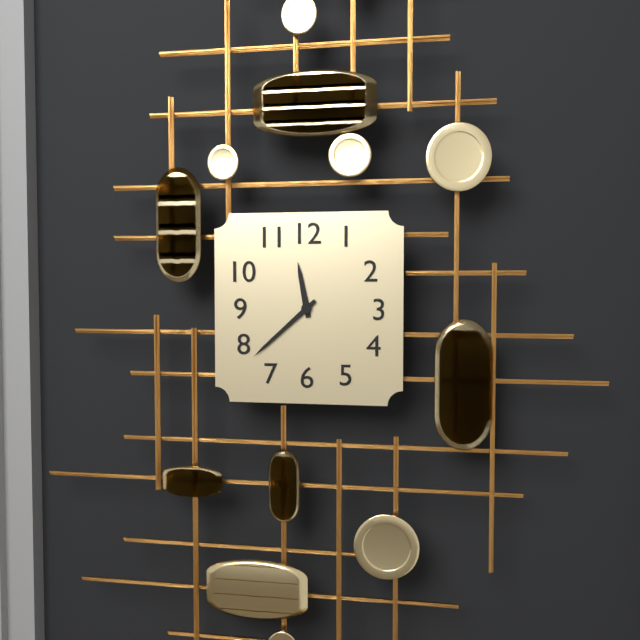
11:38
